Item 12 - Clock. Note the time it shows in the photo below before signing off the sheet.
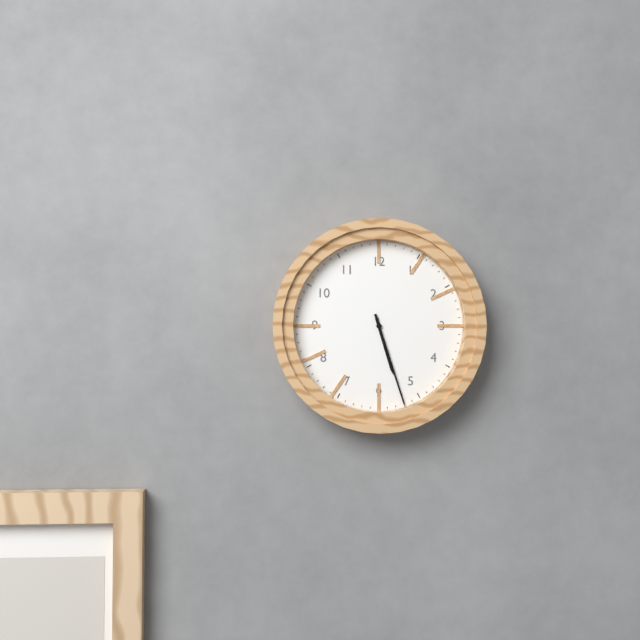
5:27
